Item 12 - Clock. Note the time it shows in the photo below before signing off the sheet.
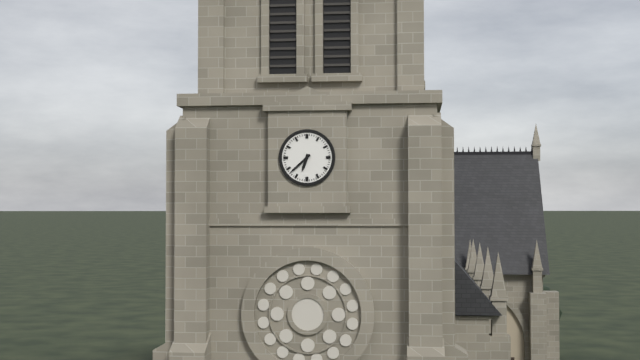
6:38
